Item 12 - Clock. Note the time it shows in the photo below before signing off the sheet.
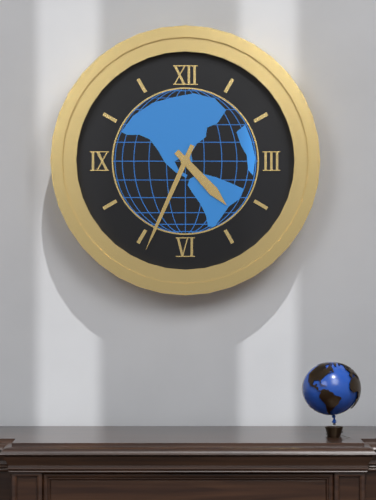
4:34
